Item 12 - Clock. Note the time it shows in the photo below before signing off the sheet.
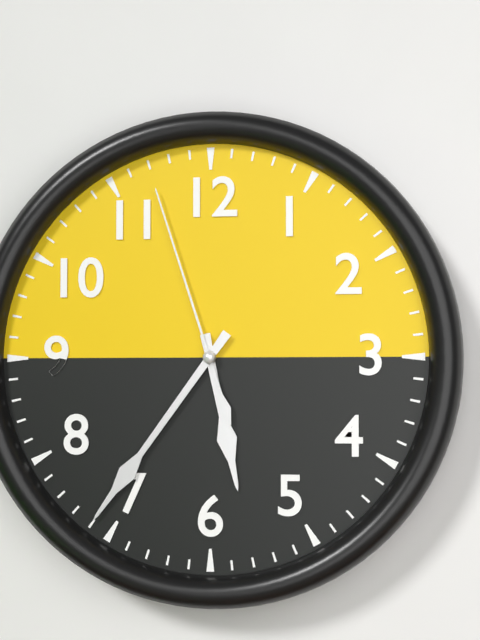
5:36:57
